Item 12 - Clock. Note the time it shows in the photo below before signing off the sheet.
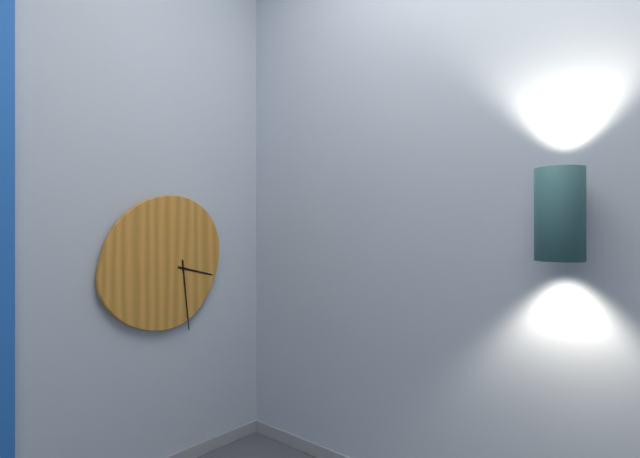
3:29
